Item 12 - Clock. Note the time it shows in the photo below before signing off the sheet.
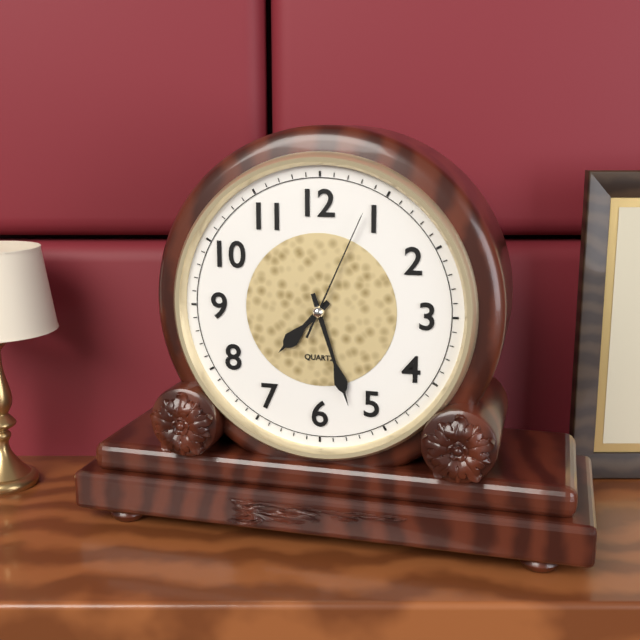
7:27:04
